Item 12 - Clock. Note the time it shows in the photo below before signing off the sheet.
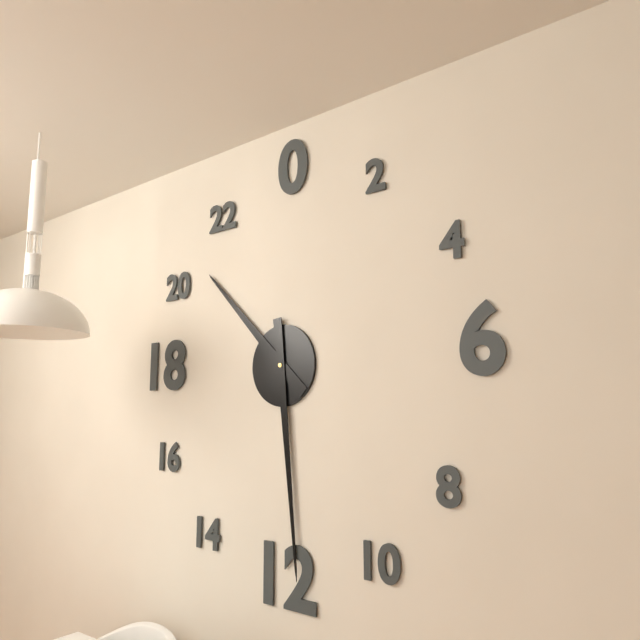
10:29
